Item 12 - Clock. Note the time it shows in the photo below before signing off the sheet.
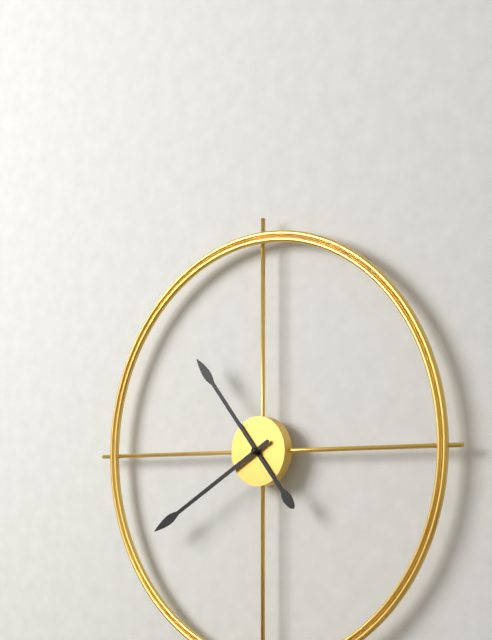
10:40
